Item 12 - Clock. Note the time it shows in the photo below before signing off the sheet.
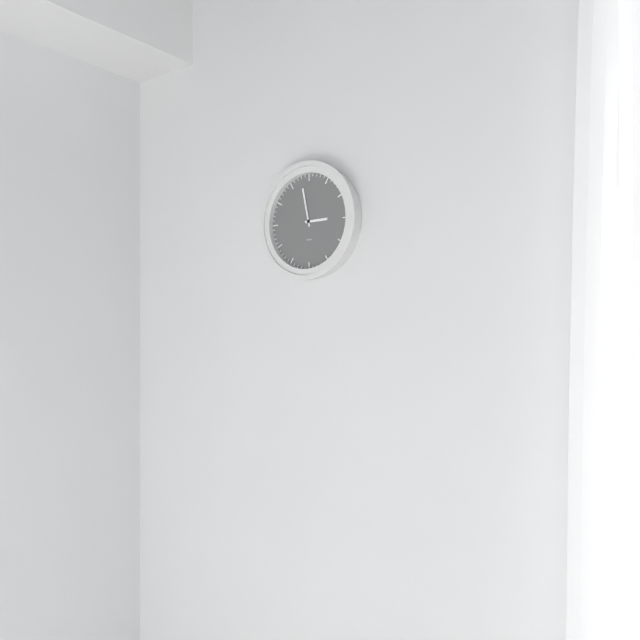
2:58
